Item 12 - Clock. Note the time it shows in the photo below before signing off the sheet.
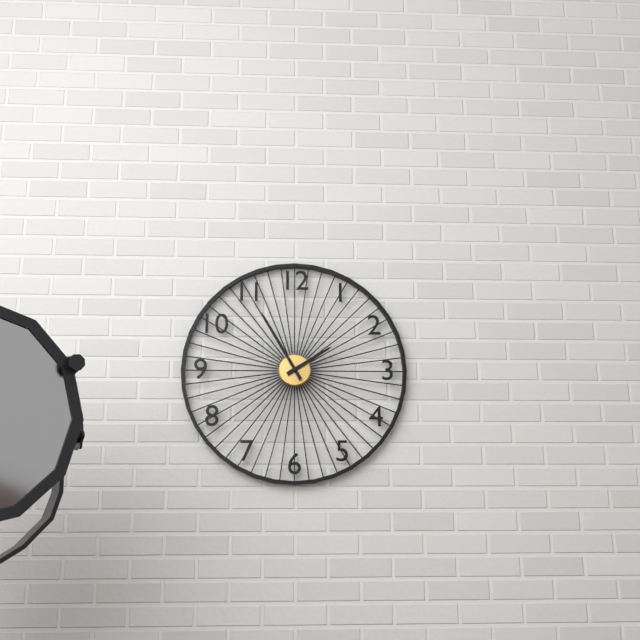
1:55
